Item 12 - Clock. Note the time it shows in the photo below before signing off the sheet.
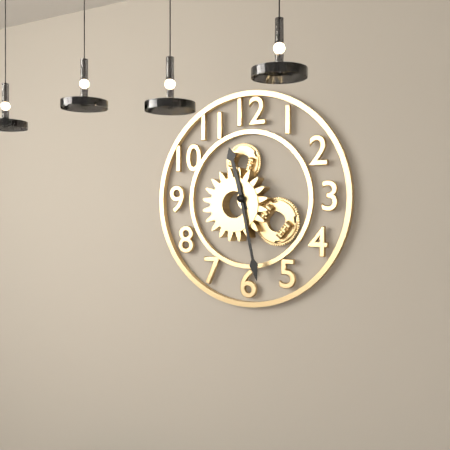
11:28
